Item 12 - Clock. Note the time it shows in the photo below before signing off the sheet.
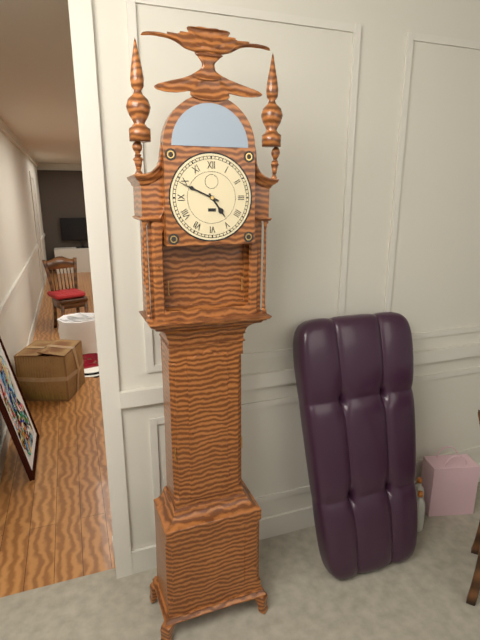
4:49
